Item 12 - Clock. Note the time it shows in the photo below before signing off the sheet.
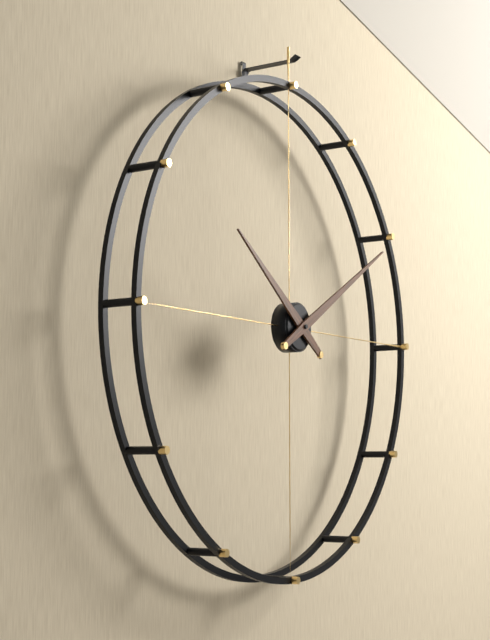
10:10
